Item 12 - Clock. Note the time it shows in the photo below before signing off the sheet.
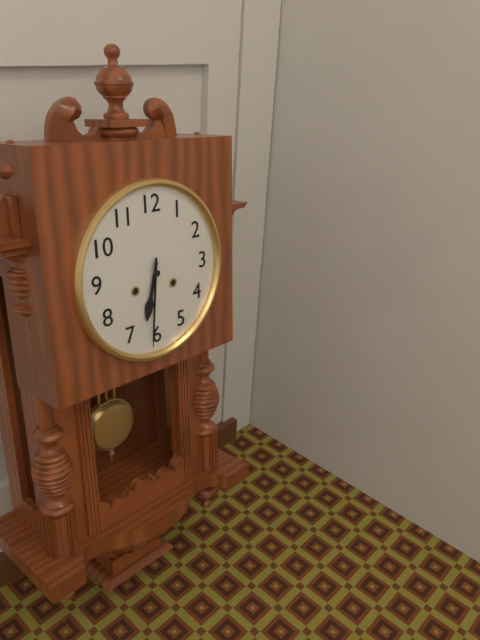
6:31
